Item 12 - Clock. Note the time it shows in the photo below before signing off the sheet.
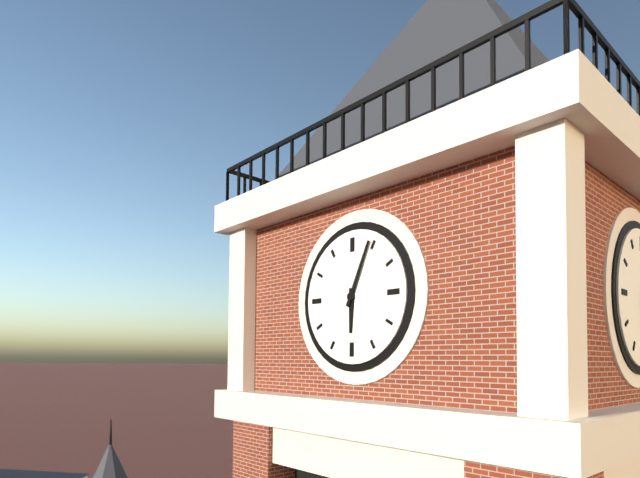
6:04
